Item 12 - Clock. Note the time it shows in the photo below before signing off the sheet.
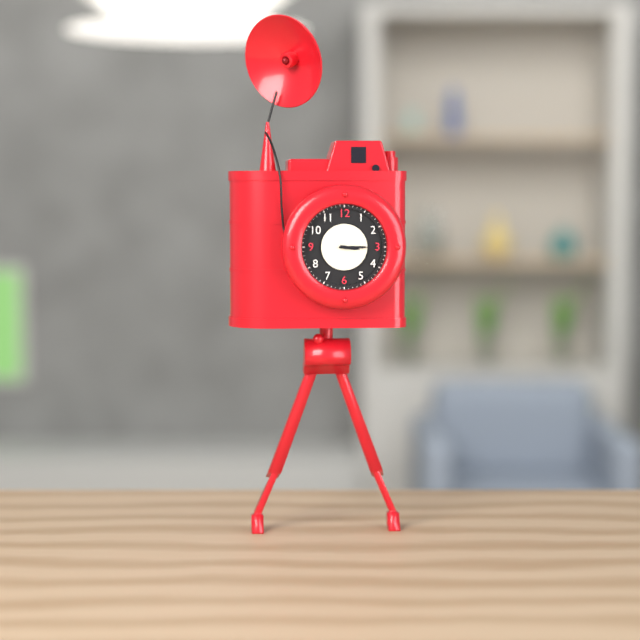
3:15
